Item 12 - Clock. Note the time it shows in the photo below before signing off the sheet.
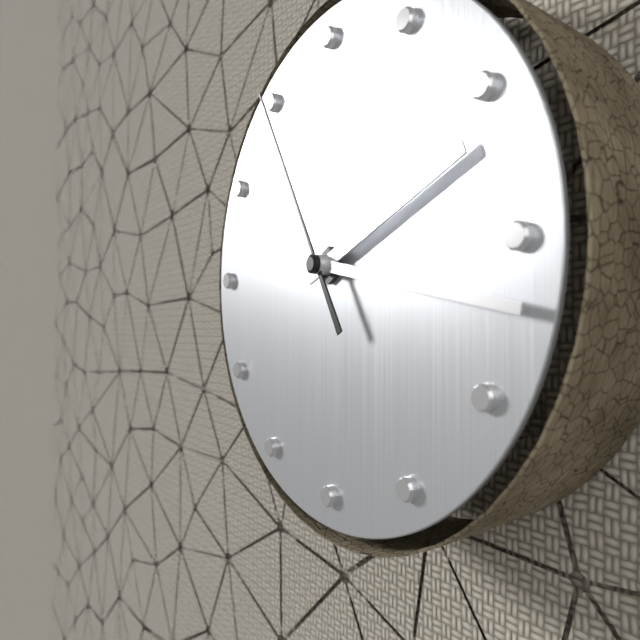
2:17:55
